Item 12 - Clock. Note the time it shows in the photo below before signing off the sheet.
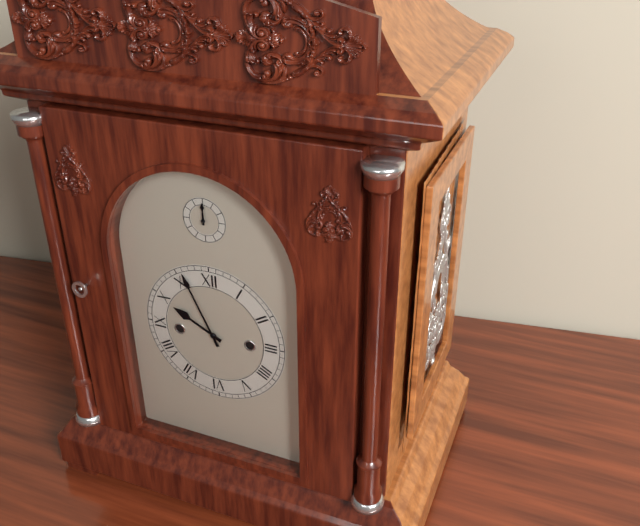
9:56
